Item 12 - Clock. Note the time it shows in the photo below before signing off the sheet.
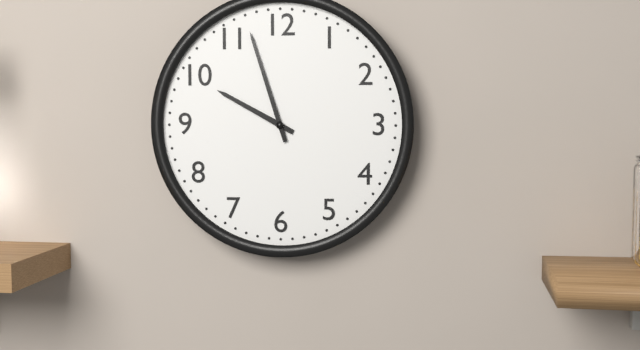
9:57
